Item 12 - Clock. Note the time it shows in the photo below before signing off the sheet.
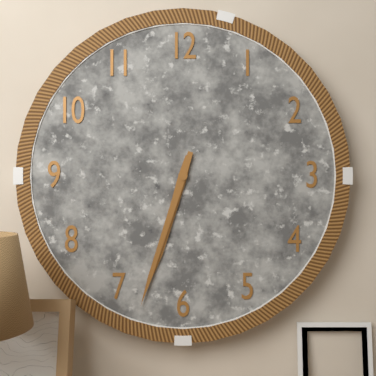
6:33
